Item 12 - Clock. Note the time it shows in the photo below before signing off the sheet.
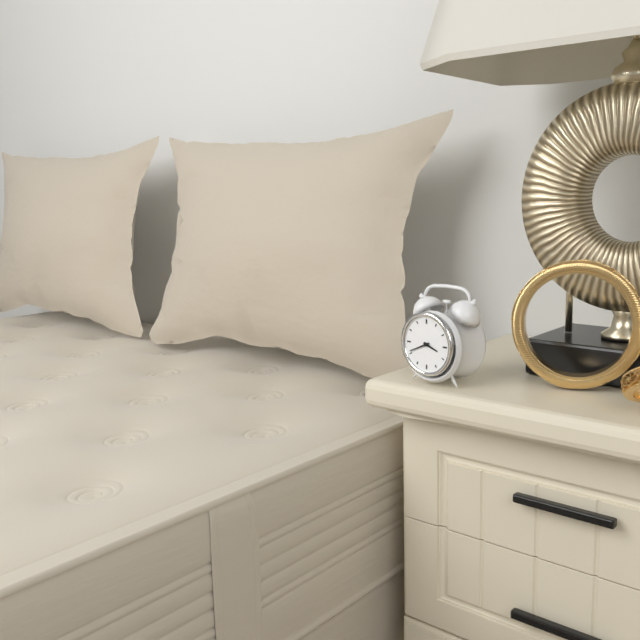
3:41
